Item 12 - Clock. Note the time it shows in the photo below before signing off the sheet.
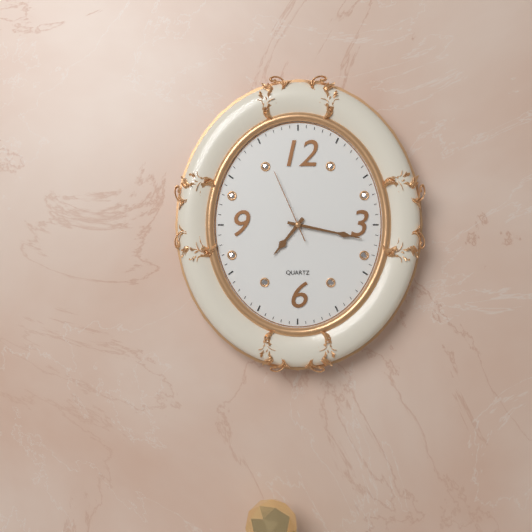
7:17:56
